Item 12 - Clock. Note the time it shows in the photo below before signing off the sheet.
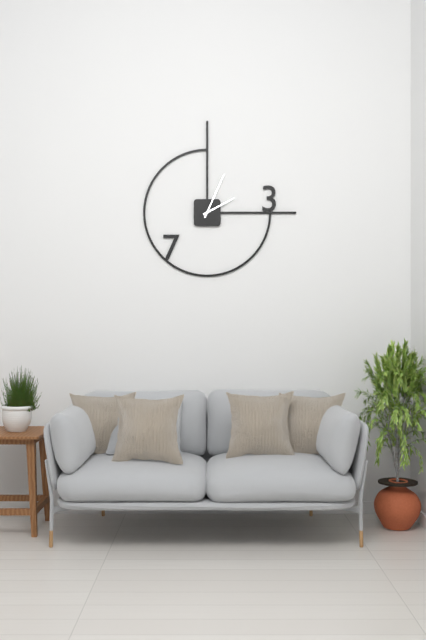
2:04
